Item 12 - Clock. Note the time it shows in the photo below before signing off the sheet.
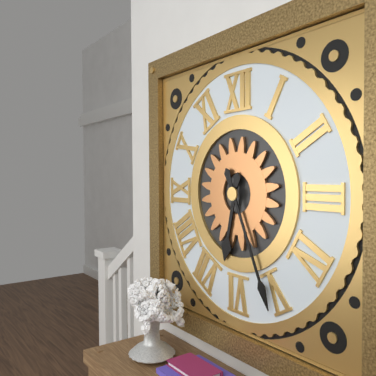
6:26
